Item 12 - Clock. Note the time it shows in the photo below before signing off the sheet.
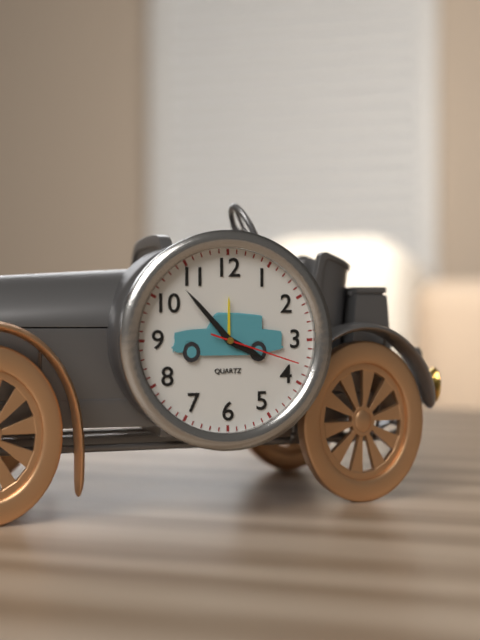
3:53:18
